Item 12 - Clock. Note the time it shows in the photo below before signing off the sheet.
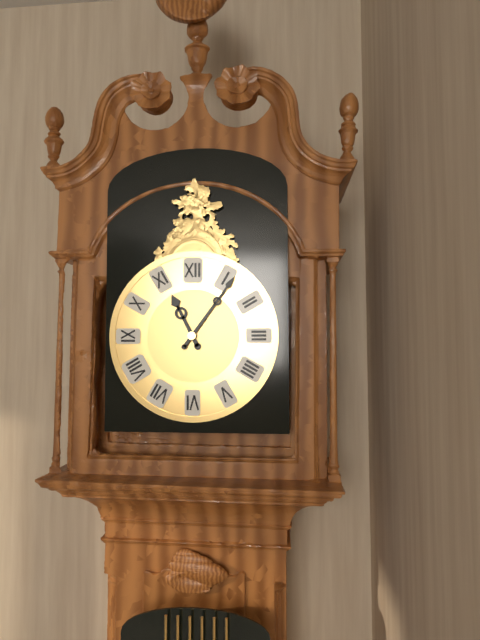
11:06
